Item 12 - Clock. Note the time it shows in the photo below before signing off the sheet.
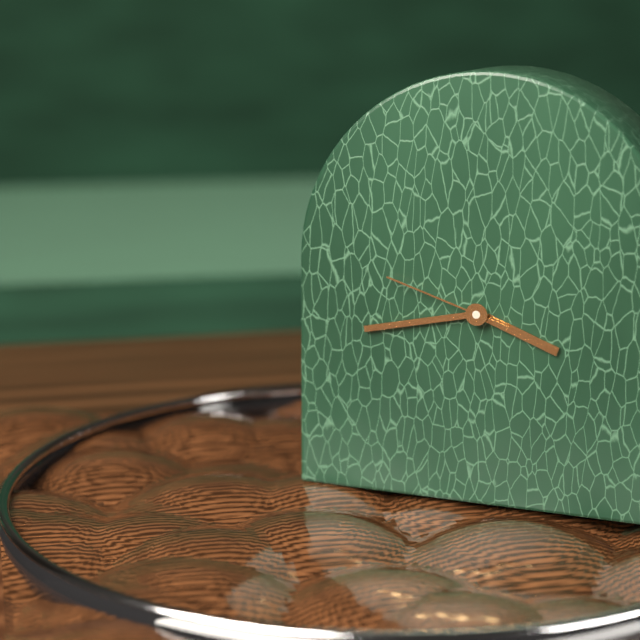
3:43:48
